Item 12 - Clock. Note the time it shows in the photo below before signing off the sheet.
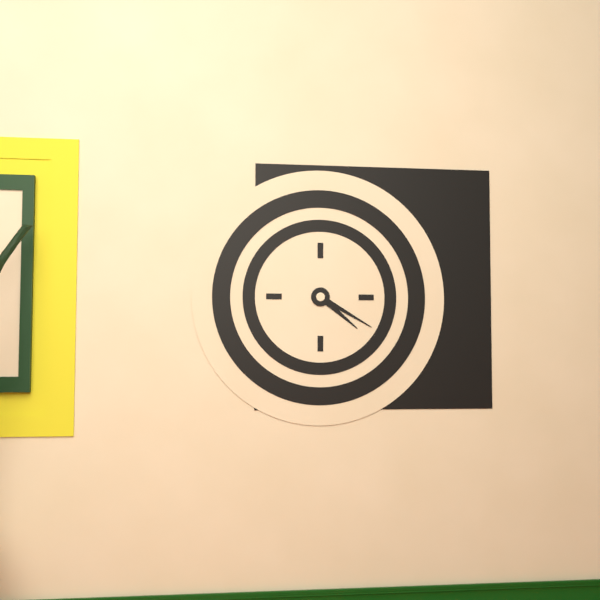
4:20
